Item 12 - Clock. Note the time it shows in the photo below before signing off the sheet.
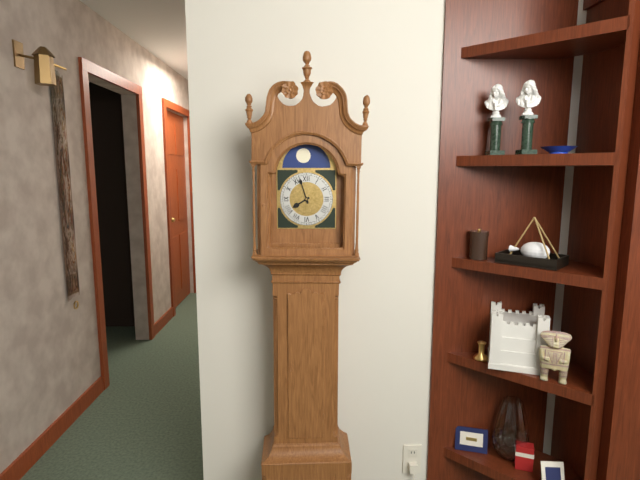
7:57
